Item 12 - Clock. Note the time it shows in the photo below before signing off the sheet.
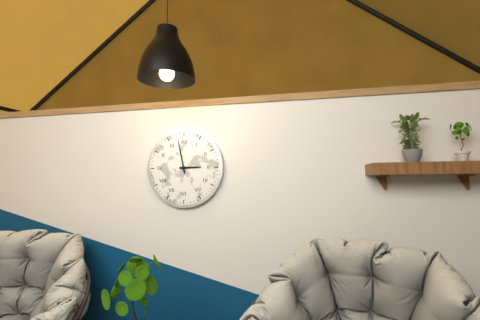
2:58
